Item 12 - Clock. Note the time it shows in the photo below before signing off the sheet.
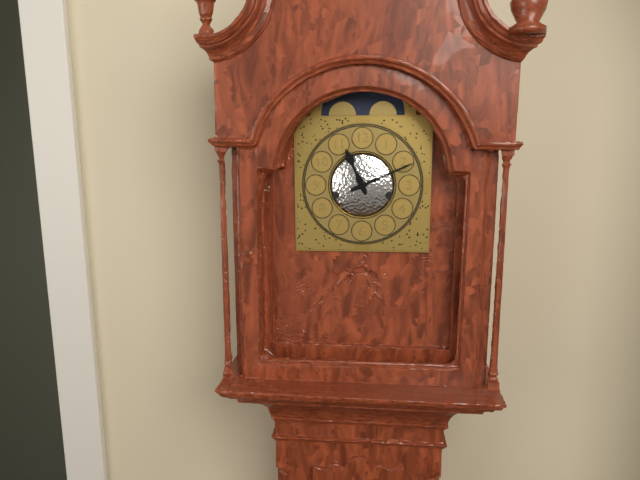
11:11
